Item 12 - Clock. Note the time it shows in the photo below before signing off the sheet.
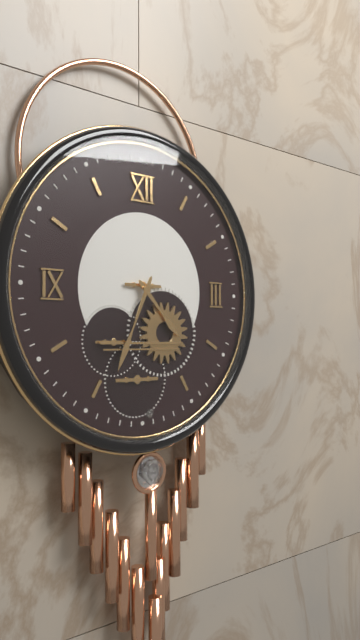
4:34
